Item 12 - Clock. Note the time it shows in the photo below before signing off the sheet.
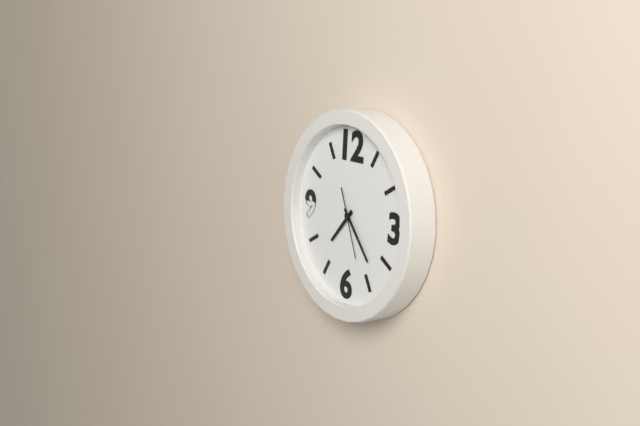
7:23:26
